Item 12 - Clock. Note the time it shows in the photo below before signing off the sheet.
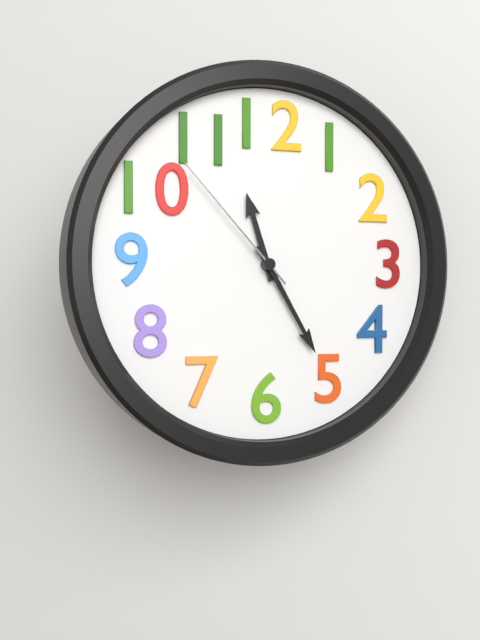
11:25:53
